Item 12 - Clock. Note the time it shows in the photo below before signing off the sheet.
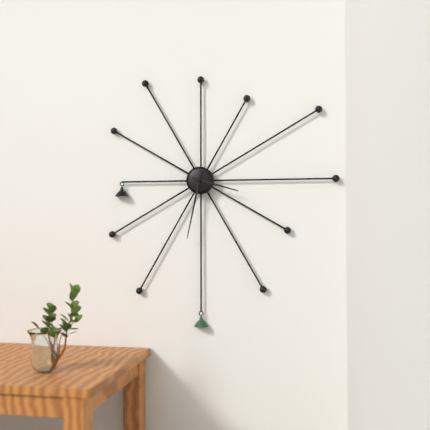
3:32
